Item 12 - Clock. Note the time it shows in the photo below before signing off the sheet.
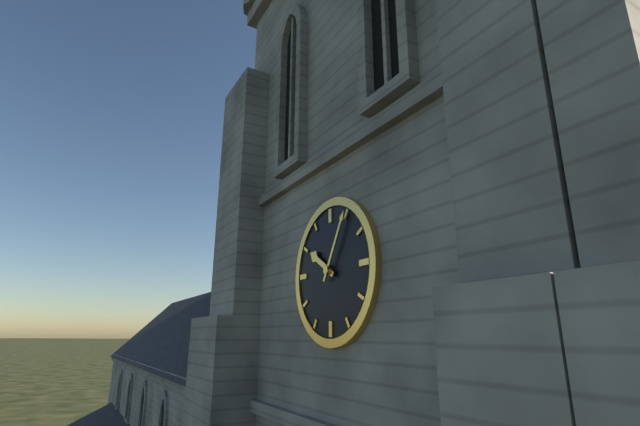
10:05
